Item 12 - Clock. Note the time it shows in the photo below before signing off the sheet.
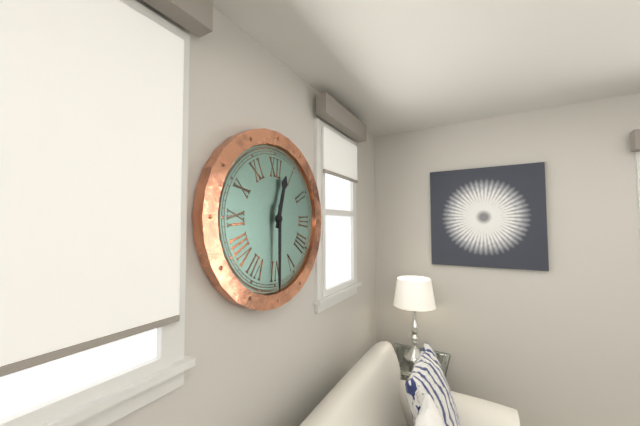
12:30
